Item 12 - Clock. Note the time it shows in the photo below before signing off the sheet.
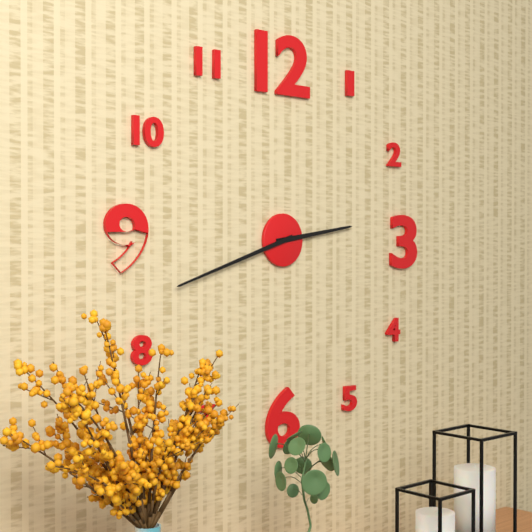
2:42
